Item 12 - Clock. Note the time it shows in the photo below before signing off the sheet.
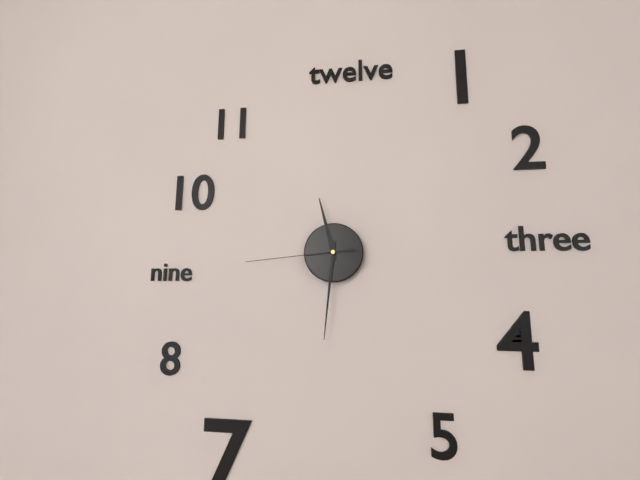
11:31:44
